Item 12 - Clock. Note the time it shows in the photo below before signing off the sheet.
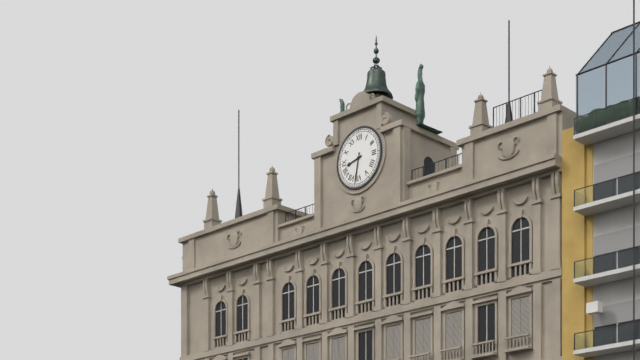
8:32
